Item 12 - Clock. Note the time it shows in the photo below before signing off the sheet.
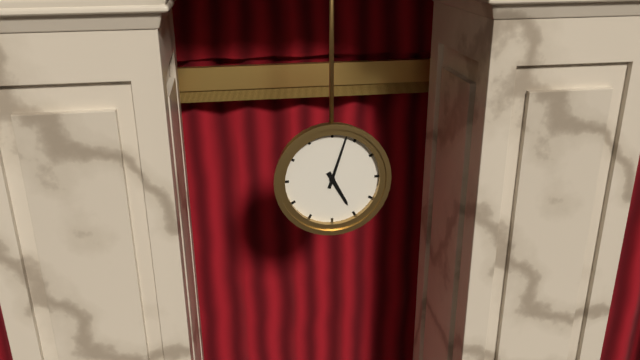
5:03
